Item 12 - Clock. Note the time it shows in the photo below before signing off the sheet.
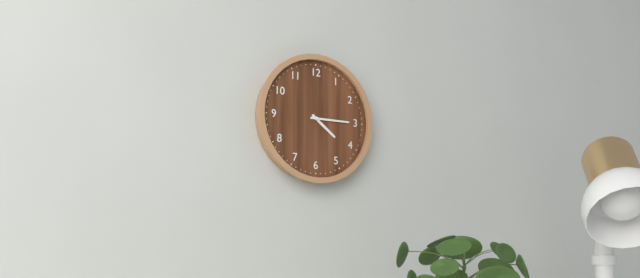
4:15
